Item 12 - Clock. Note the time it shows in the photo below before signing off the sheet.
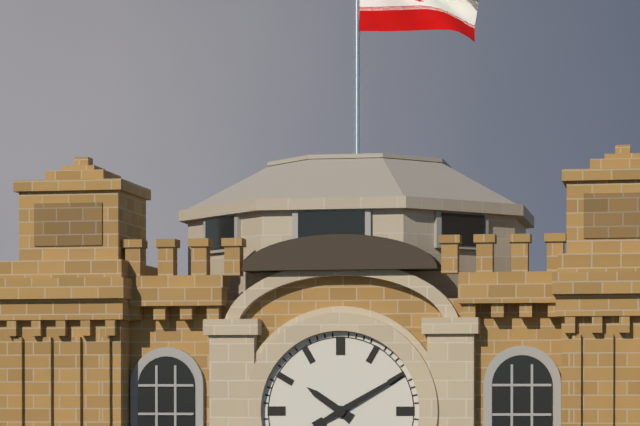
10:10
